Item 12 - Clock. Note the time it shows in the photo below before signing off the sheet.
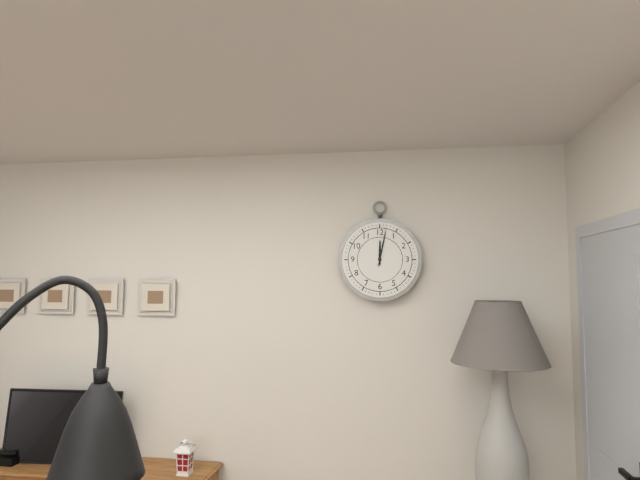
12:02
